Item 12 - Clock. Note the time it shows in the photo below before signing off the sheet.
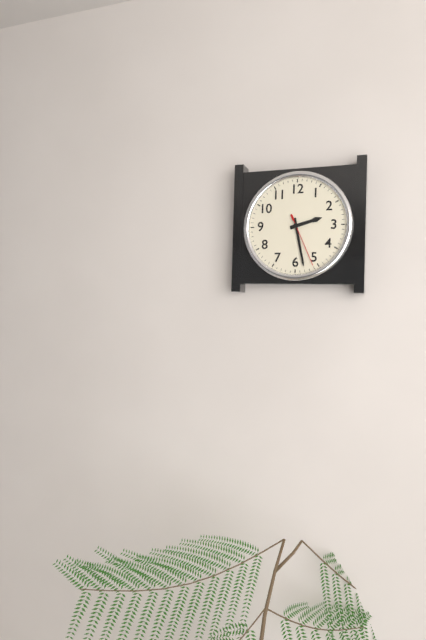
2:28:26
